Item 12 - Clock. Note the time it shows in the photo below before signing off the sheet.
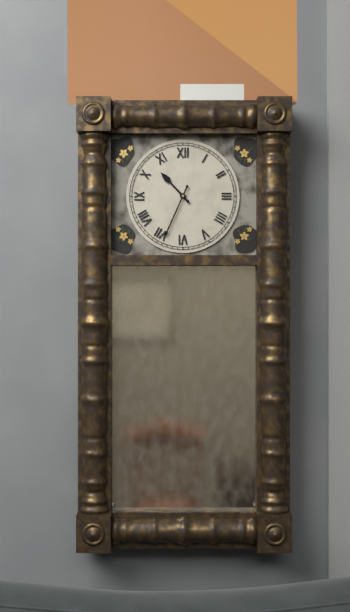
10:34
